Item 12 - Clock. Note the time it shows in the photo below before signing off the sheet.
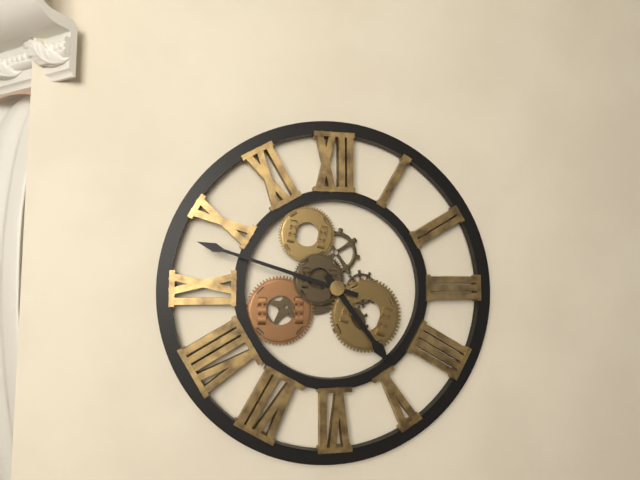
4:48
